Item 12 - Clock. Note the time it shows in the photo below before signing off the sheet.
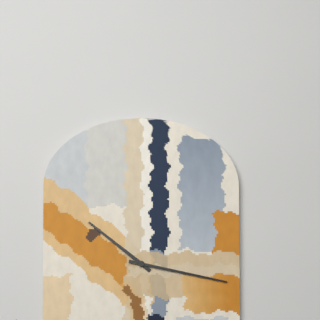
10:17
